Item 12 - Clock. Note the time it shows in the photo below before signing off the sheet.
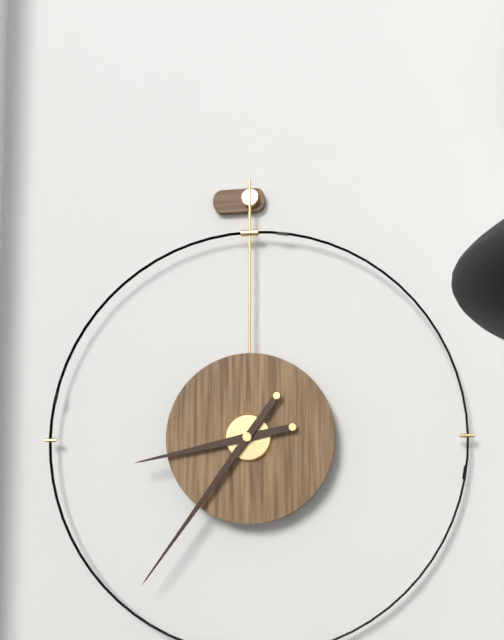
8:36
